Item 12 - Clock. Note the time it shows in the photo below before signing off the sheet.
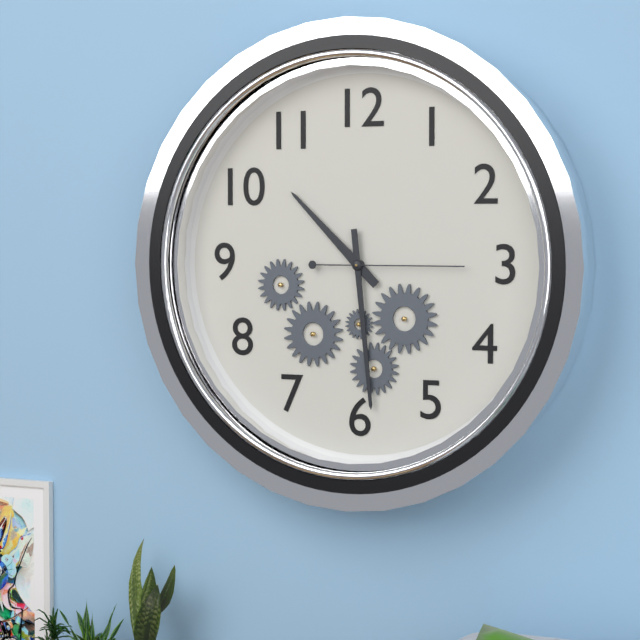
10:29:15
